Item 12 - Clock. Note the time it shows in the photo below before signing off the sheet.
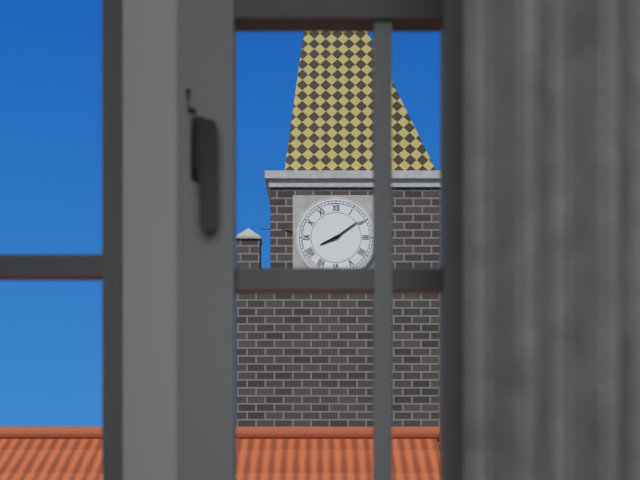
8:09
